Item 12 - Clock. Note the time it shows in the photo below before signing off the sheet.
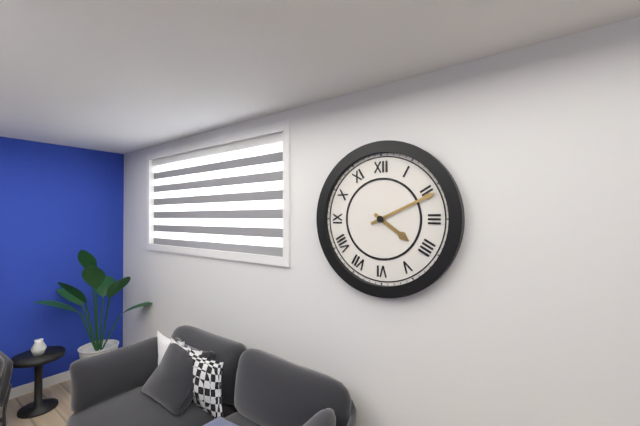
4:11
